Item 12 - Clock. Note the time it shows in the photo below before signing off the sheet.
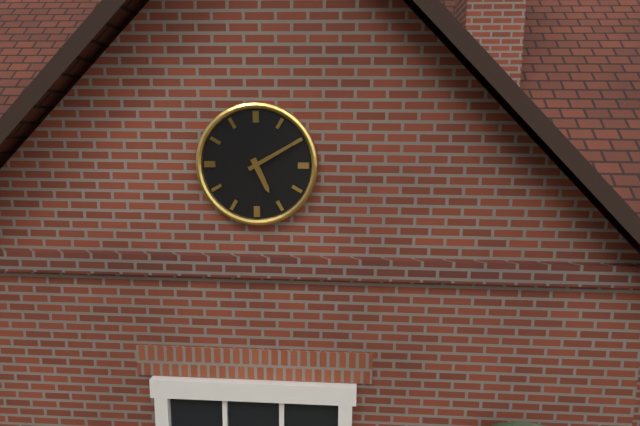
5:10
